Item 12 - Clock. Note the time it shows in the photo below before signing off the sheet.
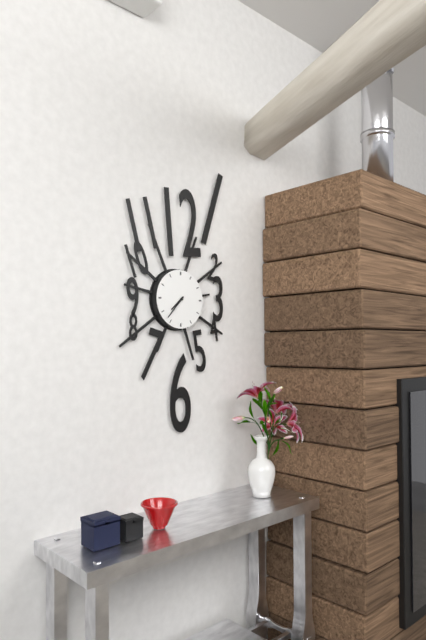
7:37
